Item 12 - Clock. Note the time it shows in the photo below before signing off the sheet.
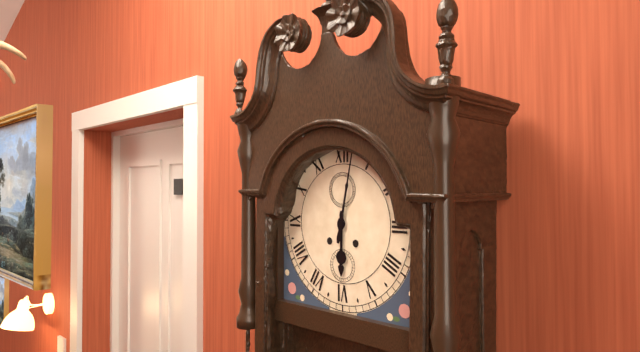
6:02
